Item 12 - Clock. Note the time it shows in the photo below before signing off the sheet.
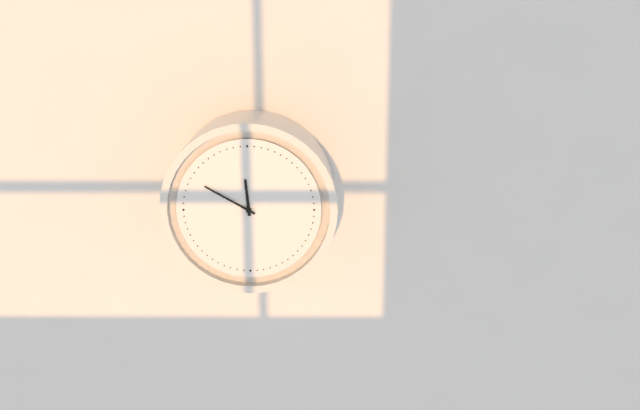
11:50
